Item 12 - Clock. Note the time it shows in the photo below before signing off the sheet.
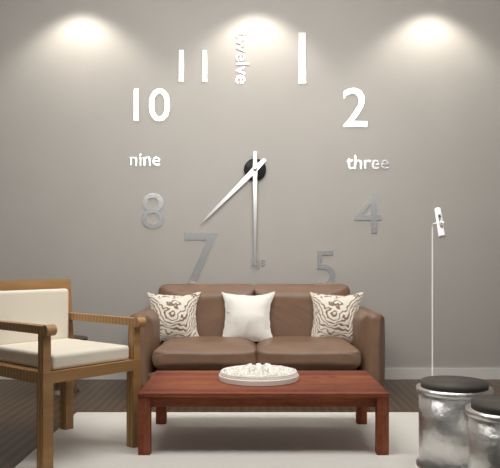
7:30
